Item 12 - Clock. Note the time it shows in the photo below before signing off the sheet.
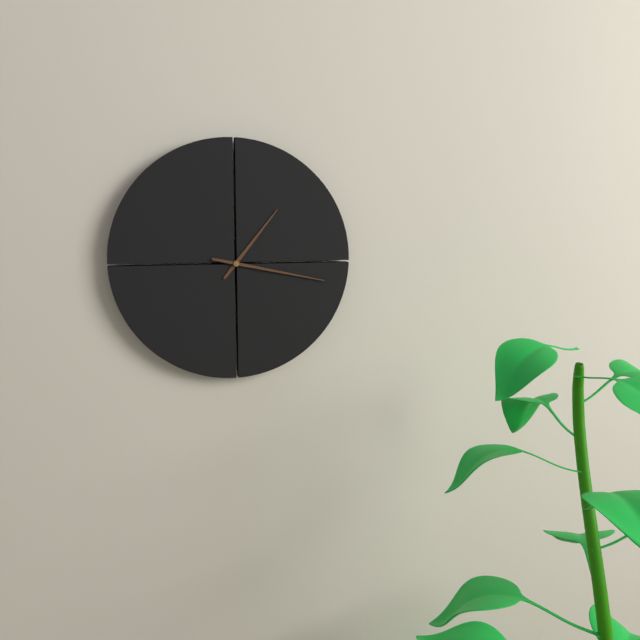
1:17
